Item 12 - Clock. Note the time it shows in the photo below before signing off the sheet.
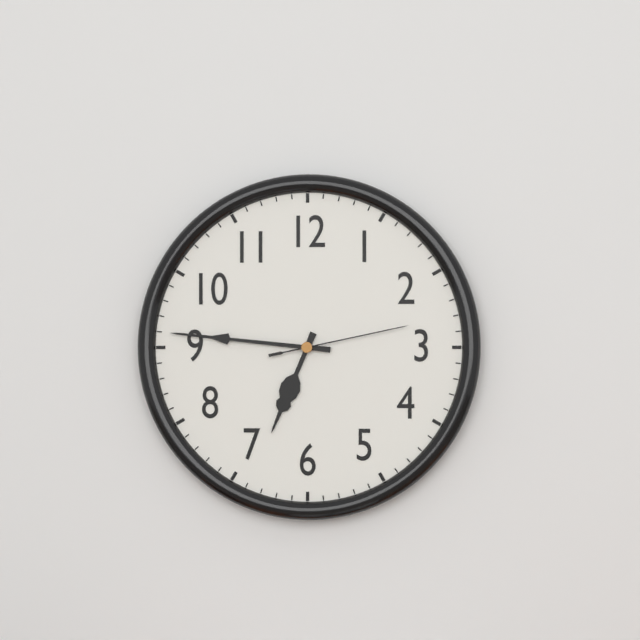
6:46:13
